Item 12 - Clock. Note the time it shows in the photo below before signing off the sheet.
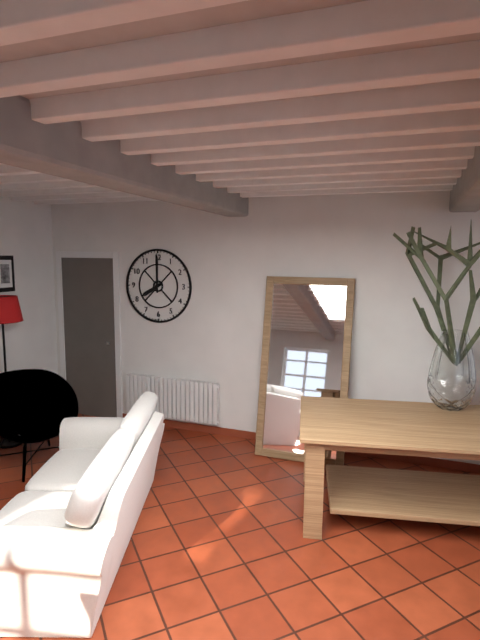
8:00
